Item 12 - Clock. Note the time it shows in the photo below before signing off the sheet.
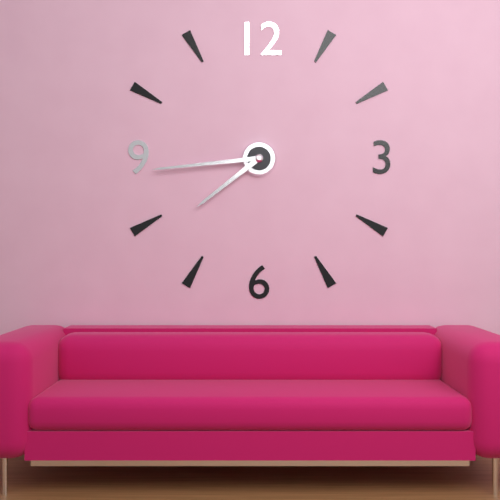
7:44
